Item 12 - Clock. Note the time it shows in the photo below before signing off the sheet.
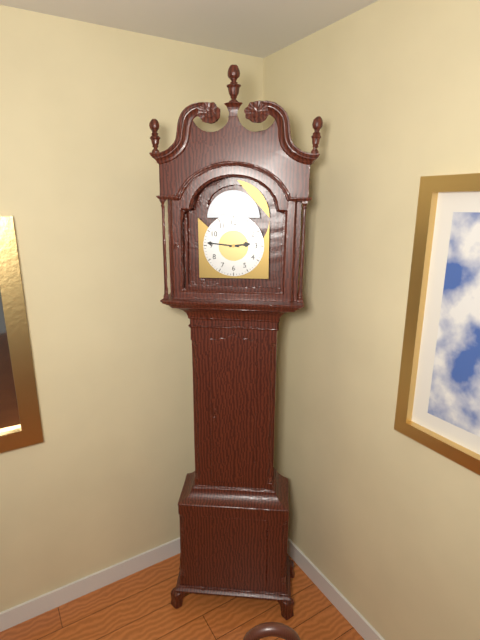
2:46
